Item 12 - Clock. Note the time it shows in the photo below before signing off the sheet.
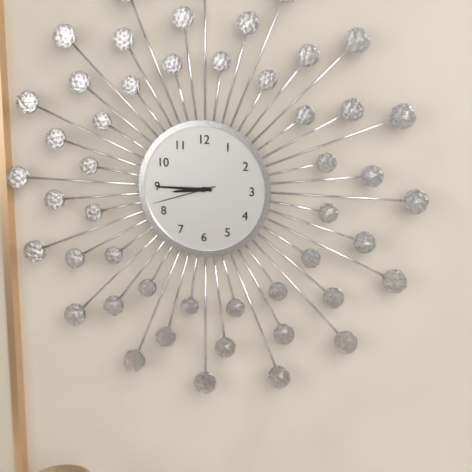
8:45:42
